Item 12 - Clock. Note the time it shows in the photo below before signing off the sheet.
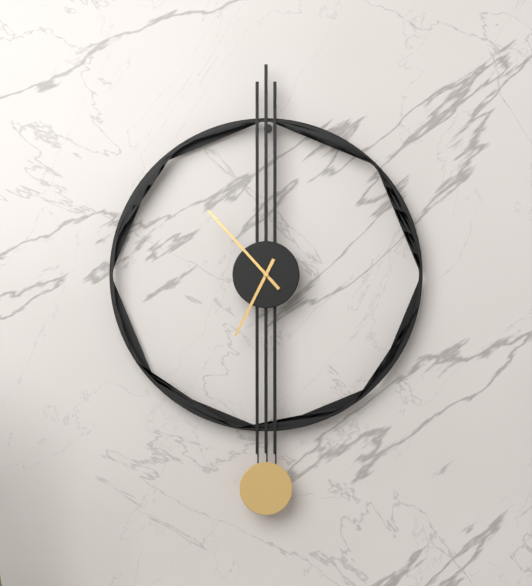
6:53
